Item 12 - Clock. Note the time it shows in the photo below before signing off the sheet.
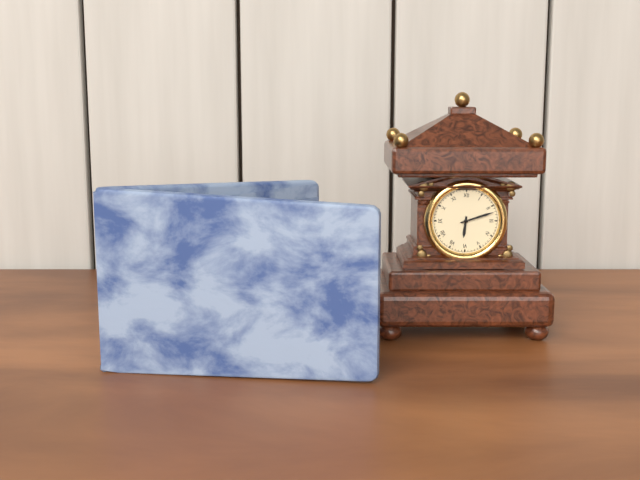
6:12
